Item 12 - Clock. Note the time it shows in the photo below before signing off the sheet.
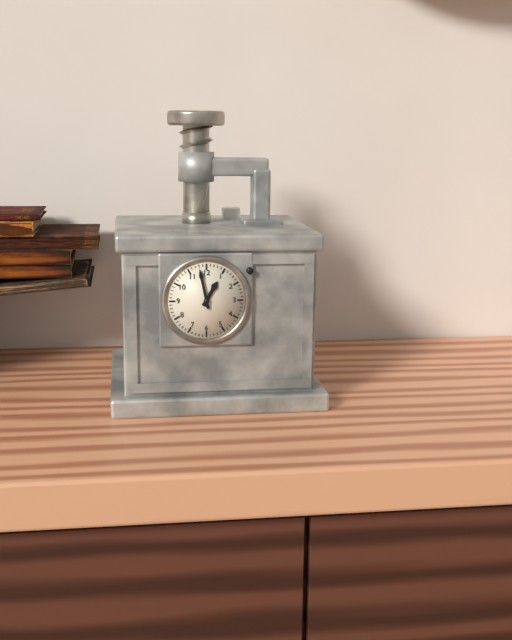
12:58
